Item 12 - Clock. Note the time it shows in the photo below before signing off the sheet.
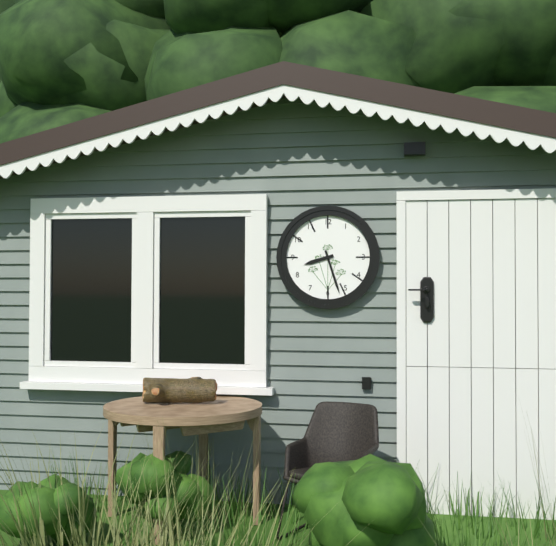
8:27
